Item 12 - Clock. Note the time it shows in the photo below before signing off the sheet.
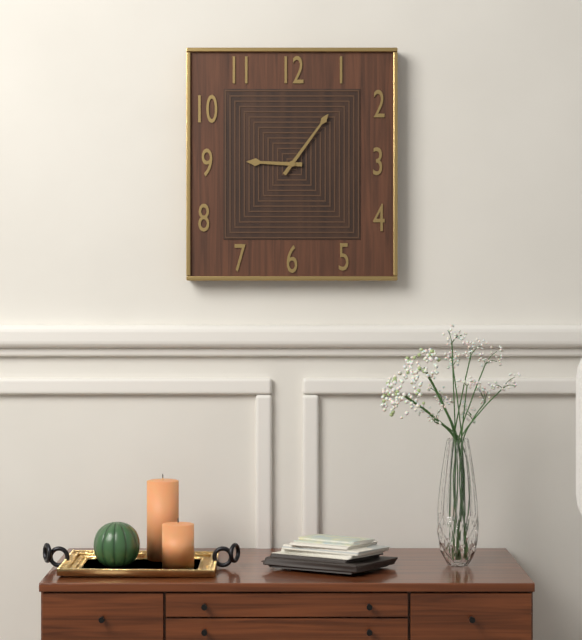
9:06
